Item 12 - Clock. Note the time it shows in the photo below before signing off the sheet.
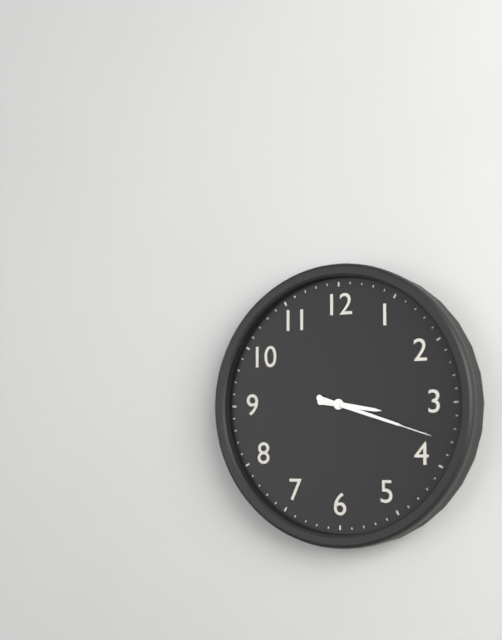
3:18:18
